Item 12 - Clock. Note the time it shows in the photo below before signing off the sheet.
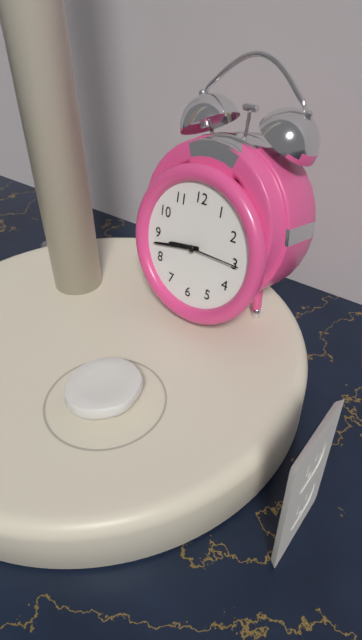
8:43:15
